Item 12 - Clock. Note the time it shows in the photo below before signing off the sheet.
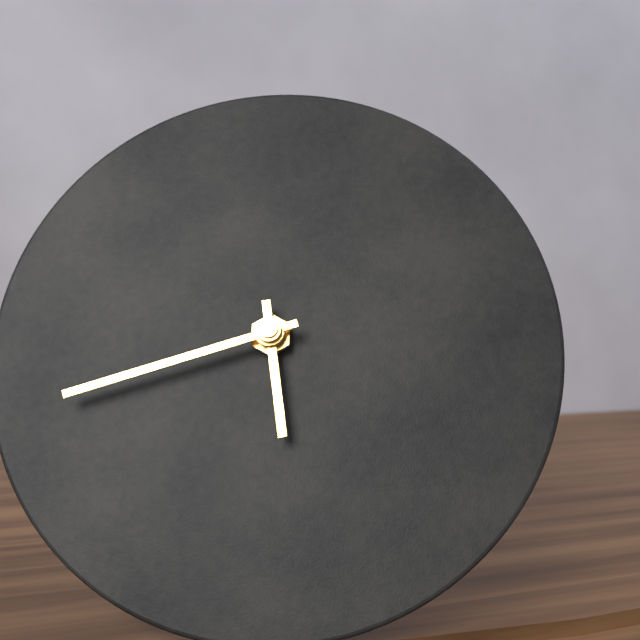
5:42
